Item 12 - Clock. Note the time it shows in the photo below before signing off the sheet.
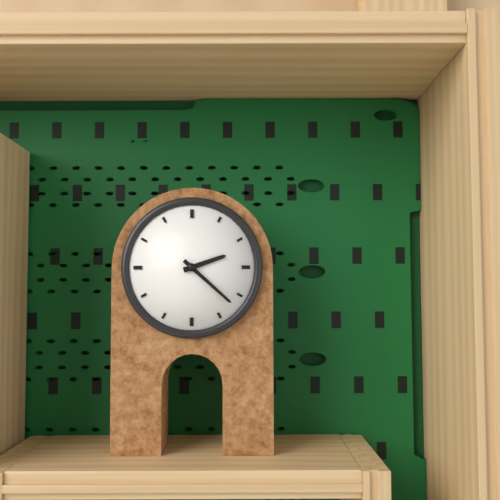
2:22
